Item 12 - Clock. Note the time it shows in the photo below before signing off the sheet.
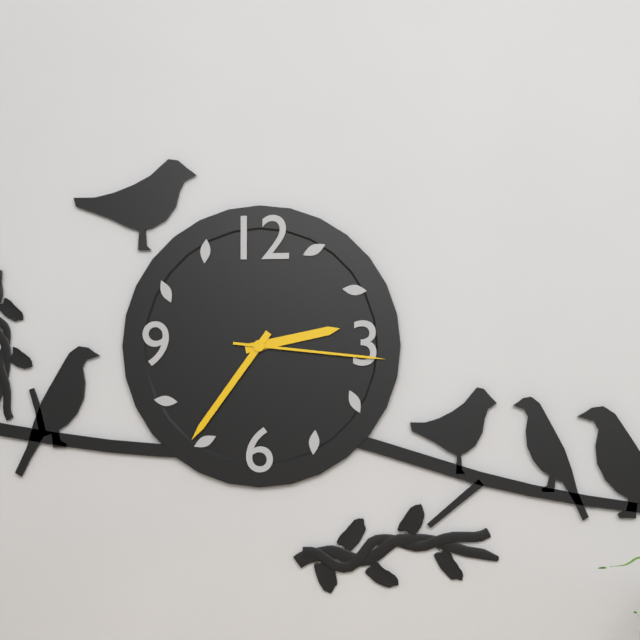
2:36:16
